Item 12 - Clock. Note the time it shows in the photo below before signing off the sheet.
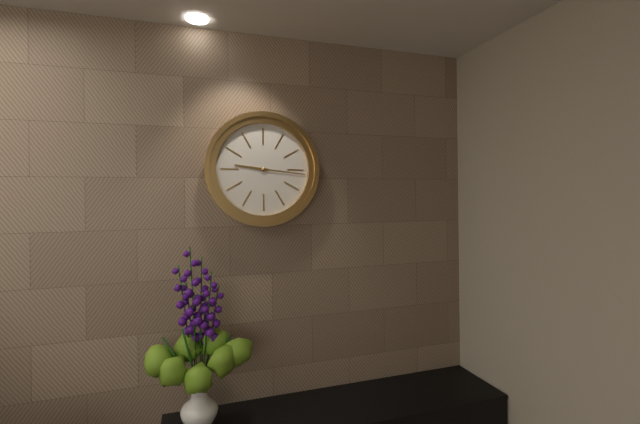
9:16
